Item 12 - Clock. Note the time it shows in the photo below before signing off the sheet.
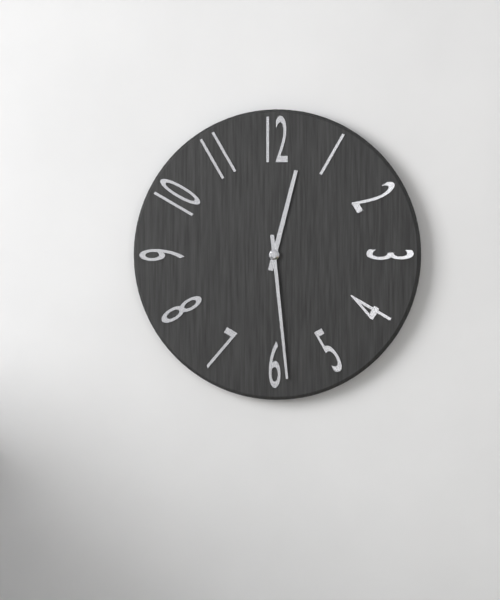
12:29
